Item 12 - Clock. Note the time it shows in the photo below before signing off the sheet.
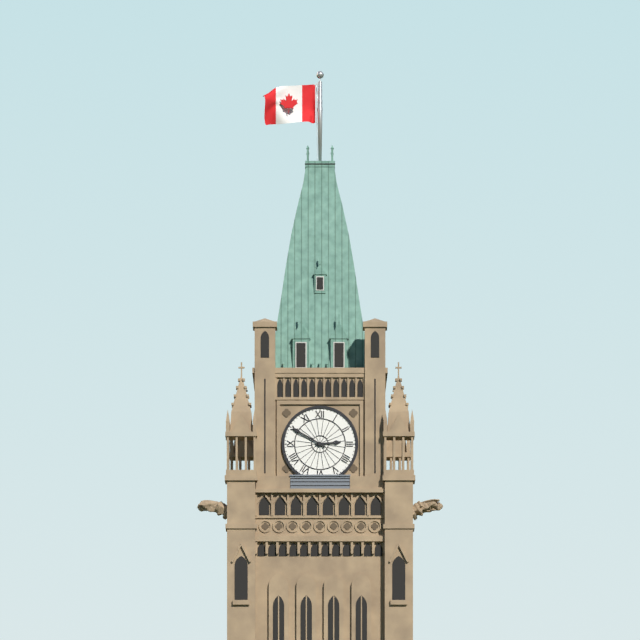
2:50
